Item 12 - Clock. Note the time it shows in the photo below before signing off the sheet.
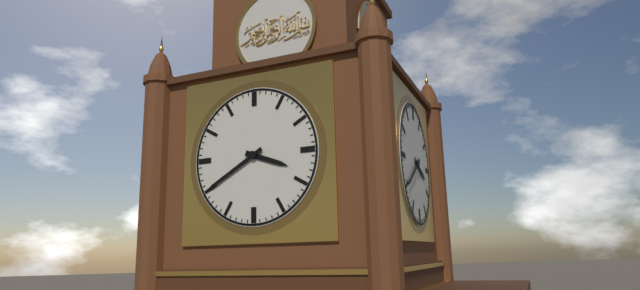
3:40
